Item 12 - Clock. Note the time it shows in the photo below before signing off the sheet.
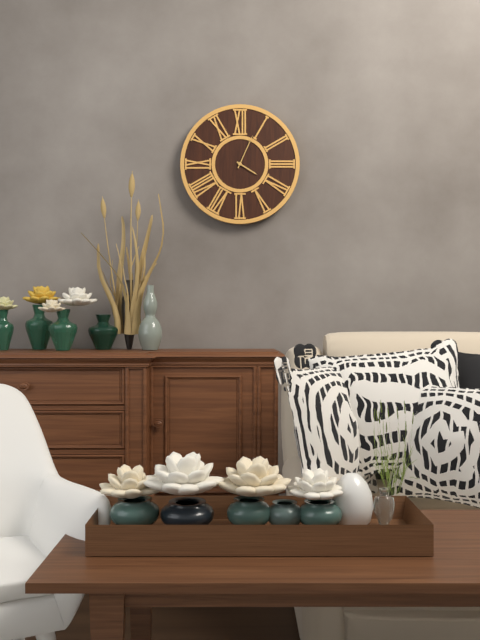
4:04
